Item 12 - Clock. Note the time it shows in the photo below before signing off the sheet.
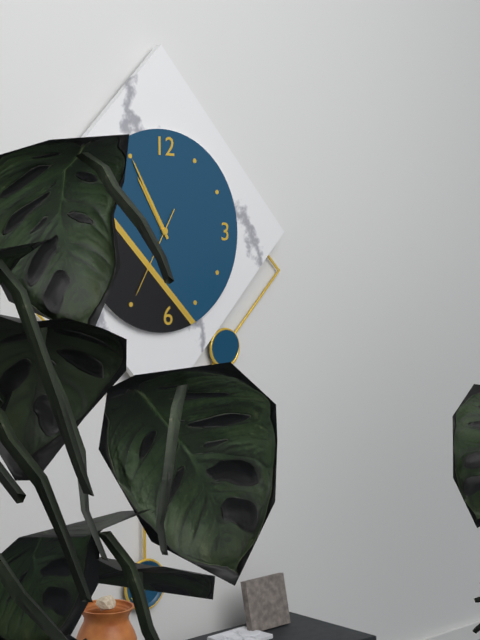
10:55:35
